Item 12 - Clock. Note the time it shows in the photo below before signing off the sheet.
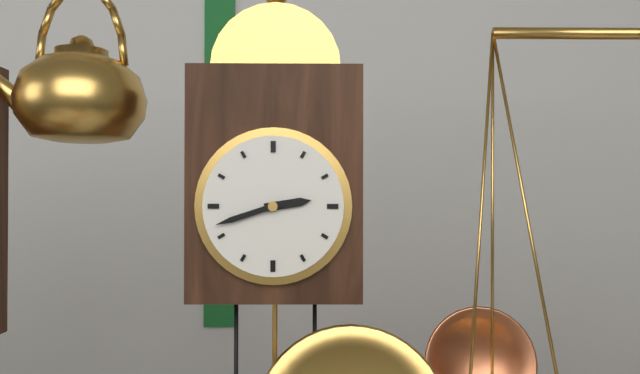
2:42
